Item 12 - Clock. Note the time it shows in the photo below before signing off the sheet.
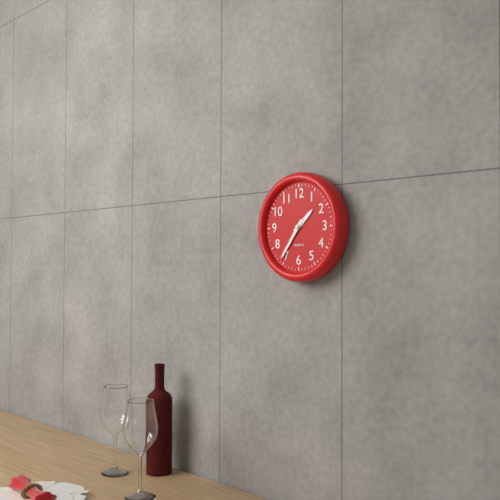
1:36
